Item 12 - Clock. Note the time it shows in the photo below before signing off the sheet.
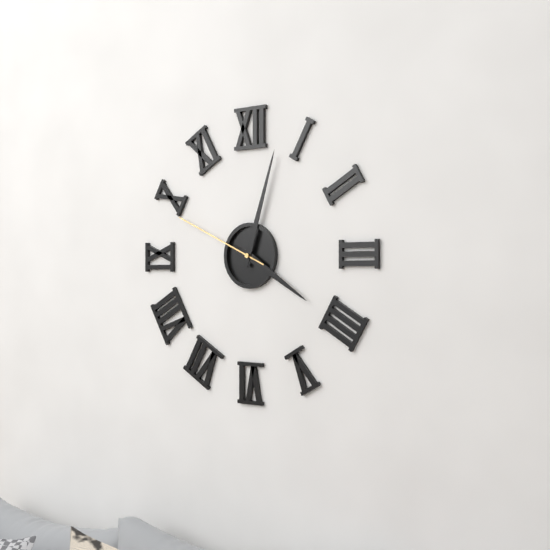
4:03:49
